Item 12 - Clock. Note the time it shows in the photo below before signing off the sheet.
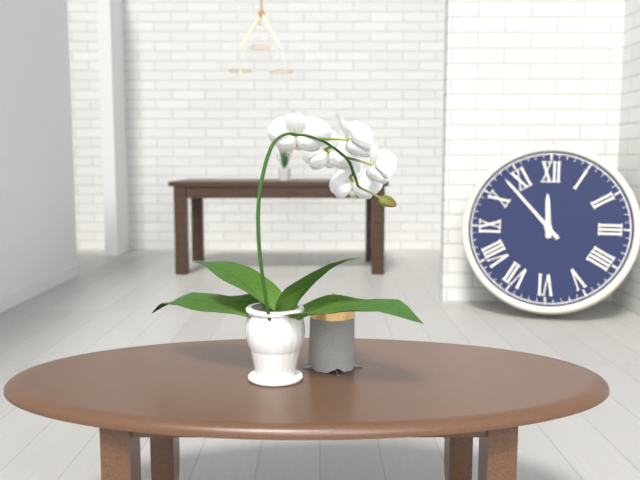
11:53
